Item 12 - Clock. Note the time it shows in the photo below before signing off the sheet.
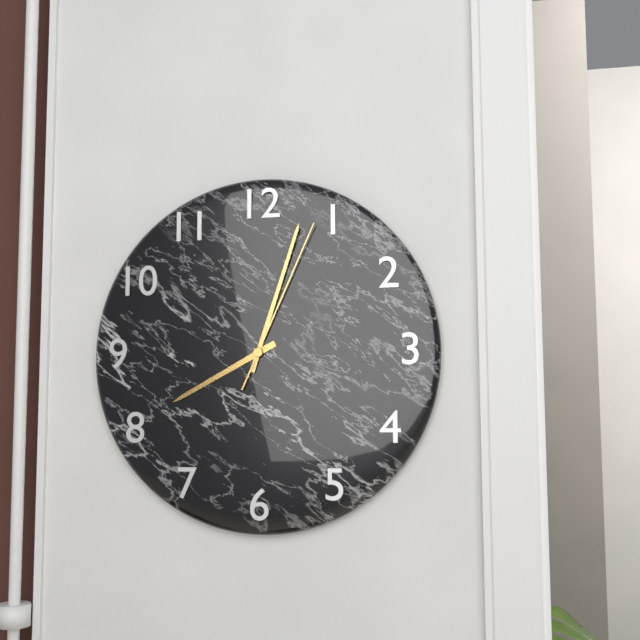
8:03:04
